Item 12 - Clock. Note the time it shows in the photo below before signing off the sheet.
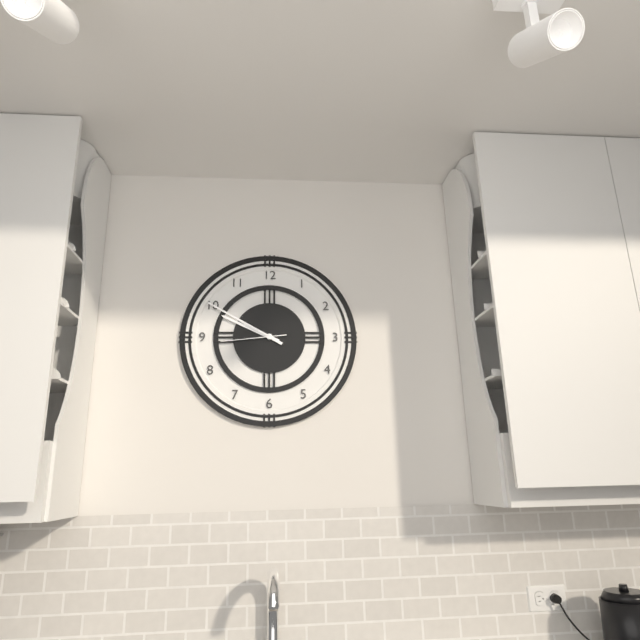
9:50:44
